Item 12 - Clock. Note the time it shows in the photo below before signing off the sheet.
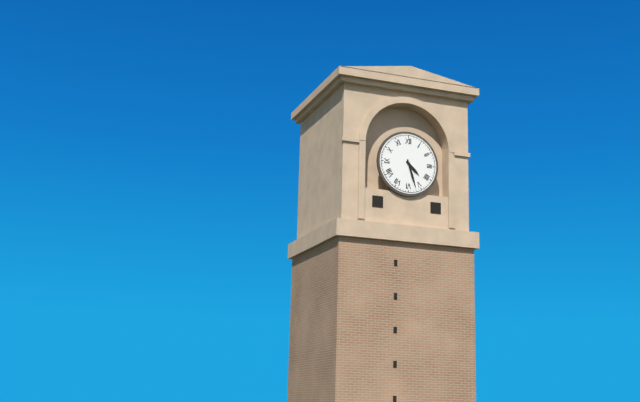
4:27
